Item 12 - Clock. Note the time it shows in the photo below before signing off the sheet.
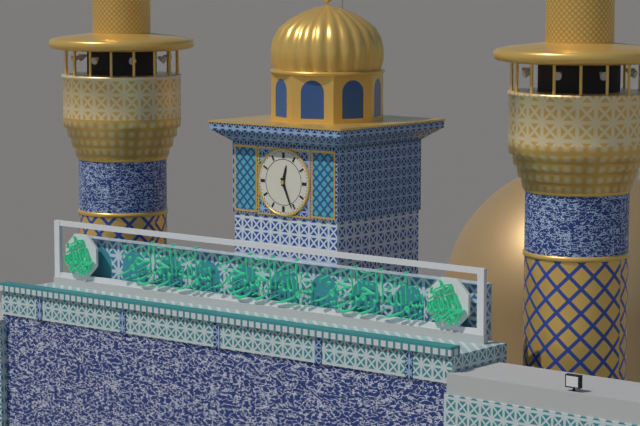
12:26
